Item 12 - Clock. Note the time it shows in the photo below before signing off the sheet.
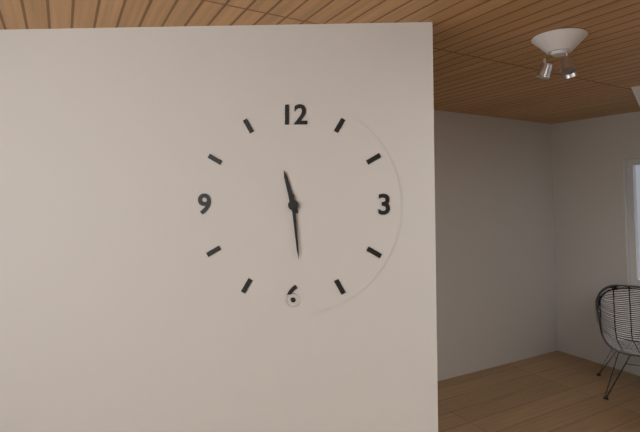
11:29
